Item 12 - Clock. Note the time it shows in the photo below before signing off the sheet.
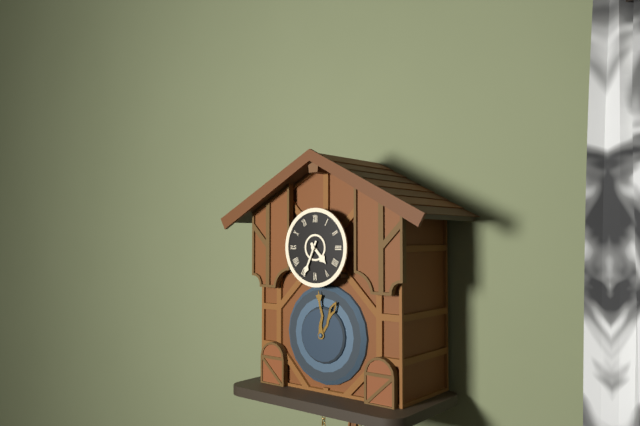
4:34
